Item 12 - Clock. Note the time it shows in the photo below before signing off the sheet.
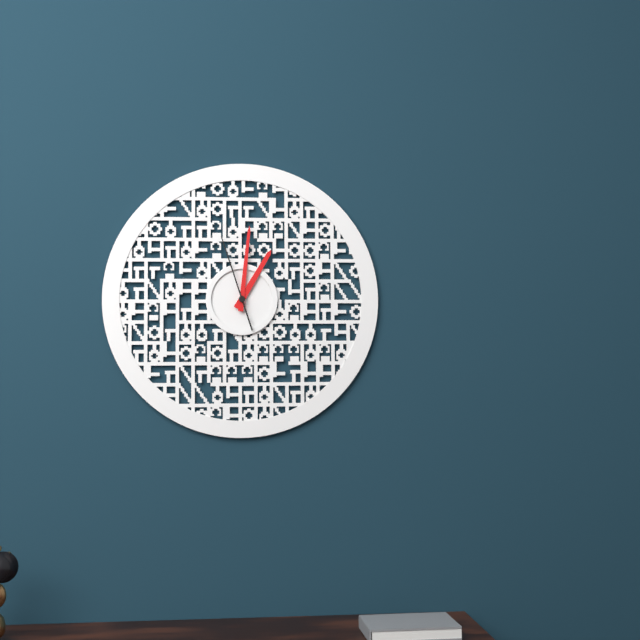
1:01:57
